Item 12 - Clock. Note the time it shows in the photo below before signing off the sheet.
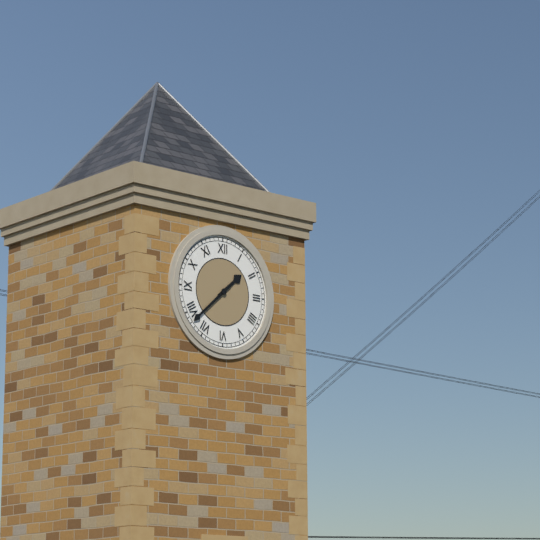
1:38
